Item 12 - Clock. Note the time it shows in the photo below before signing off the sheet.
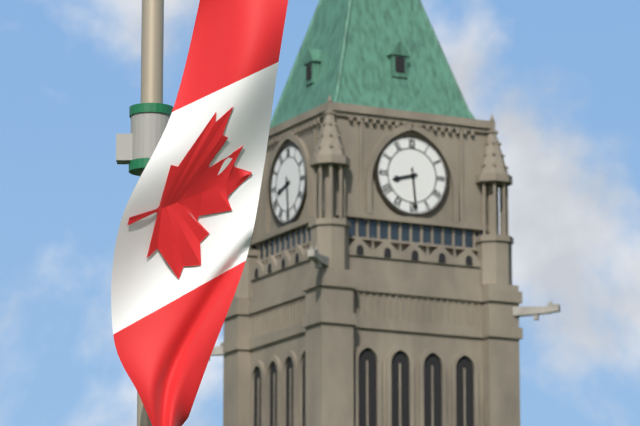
8:29
